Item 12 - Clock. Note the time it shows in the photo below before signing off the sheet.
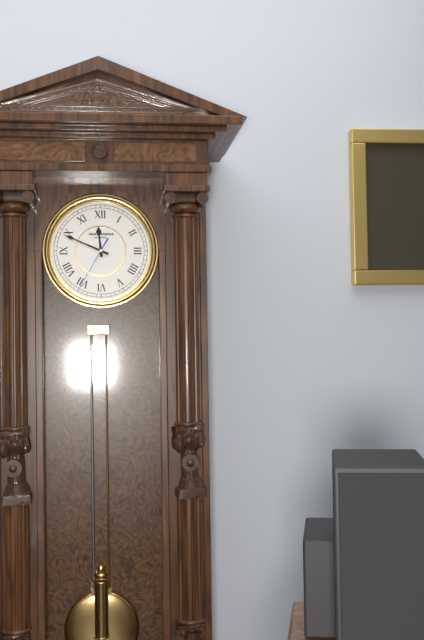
11:49:35
